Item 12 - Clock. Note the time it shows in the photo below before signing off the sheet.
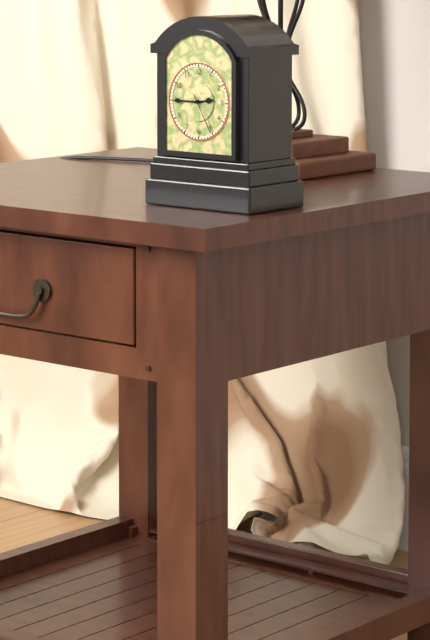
2:45
